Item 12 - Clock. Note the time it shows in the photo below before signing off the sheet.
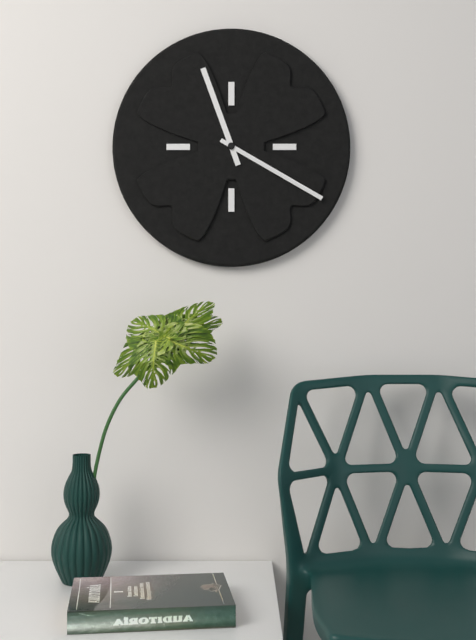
11:20
